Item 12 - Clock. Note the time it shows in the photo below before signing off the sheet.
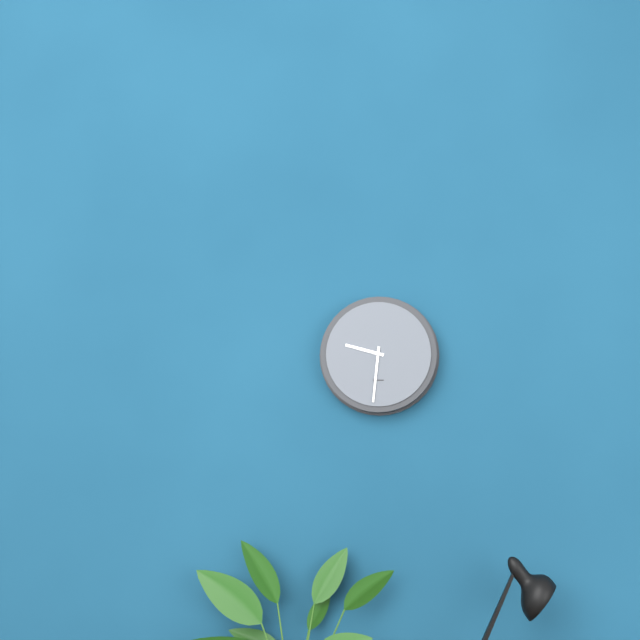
9:31
